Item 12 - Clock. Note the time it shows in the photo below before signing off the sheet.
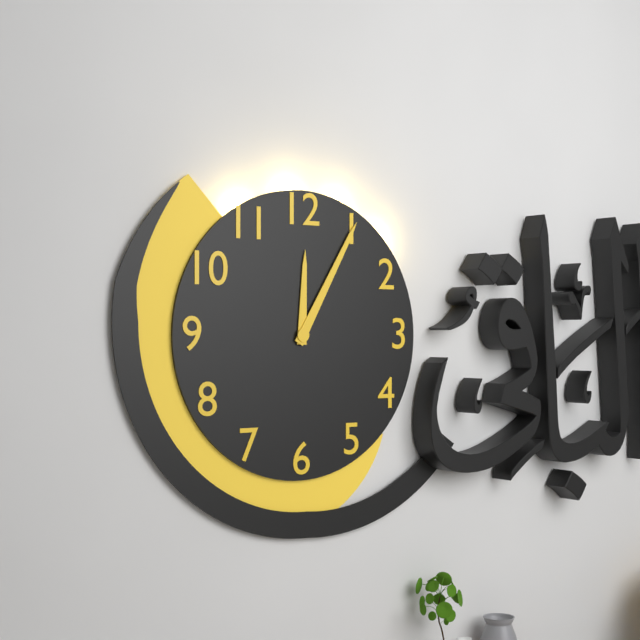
12:05
